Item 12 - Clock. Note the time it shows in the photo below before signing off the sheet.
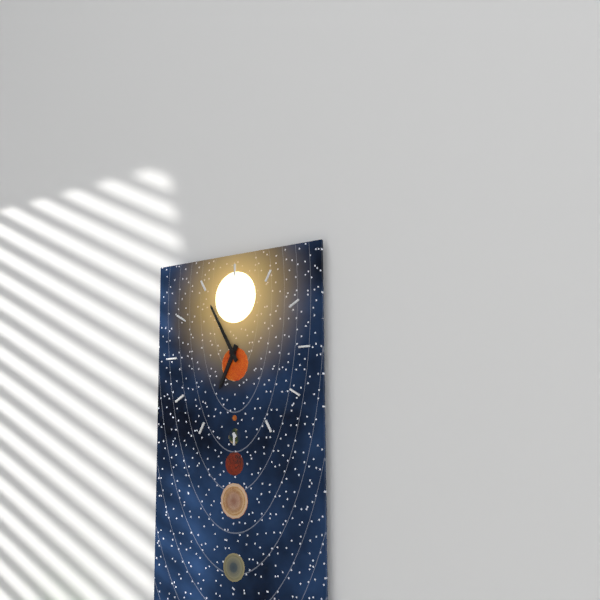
6:55
